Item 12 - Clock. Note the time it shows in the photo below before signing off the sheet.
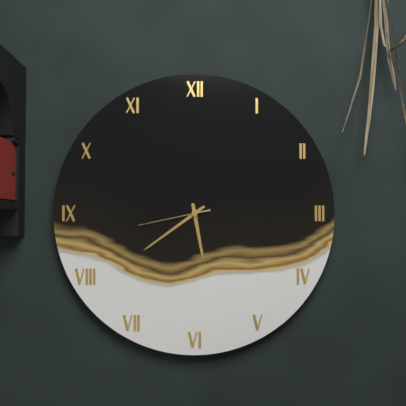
5:39:43
